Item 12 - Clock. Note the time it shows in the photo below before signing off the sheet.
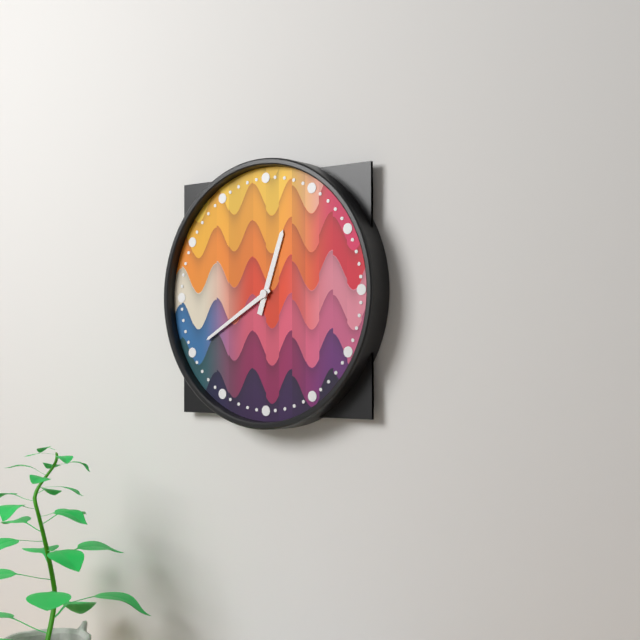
12:40
